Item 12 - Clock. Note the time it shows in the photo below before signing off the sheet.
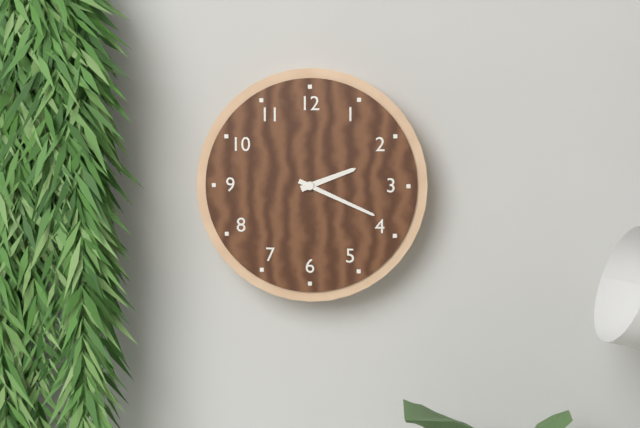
2:19
